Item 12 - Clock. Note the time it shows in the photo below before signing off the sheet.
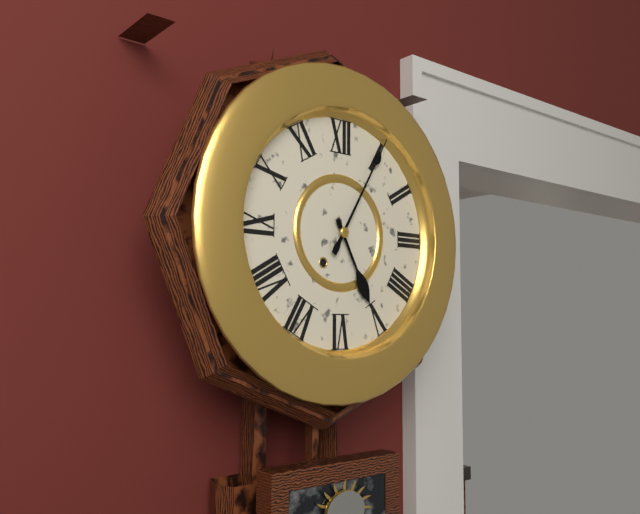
5:05
